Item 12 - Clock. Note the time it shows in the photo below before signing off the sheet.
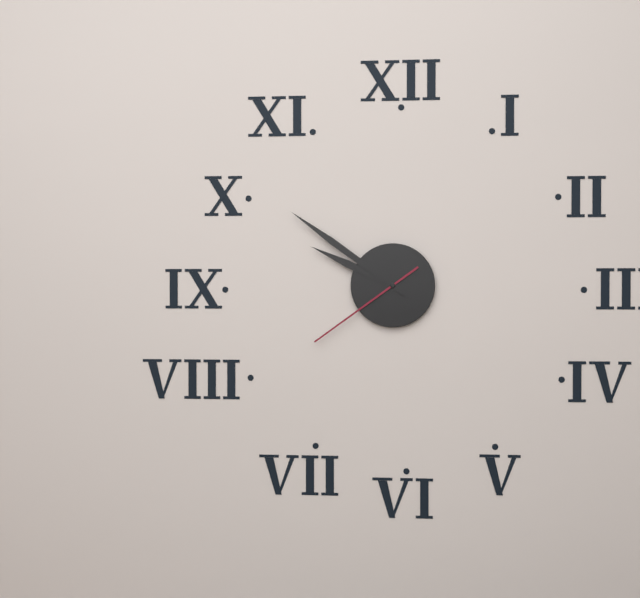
9:51:39
